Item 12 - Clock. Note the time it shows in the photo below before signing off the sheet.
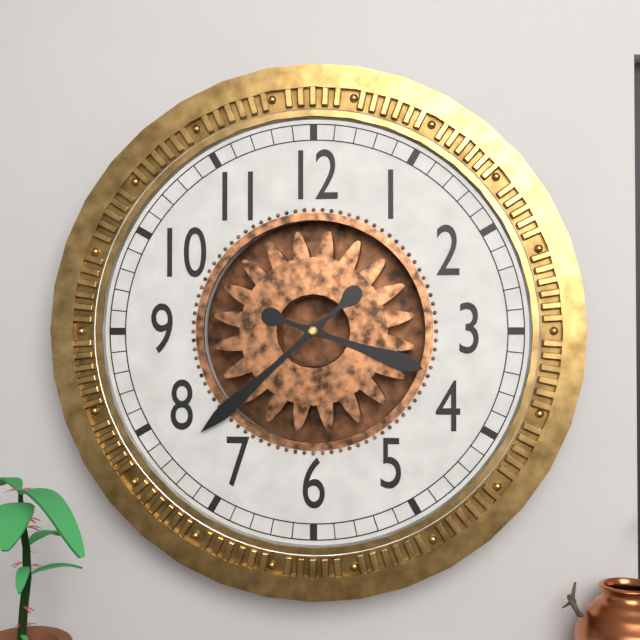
3:38
